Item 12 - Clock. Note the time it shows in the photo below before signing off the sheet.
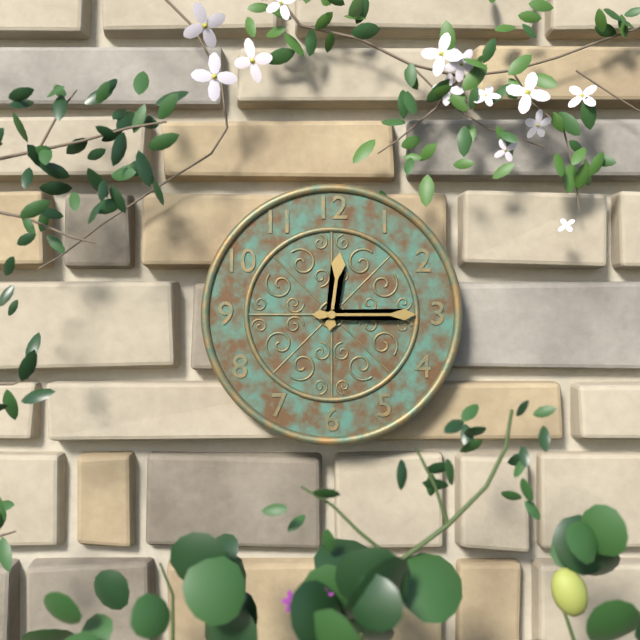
12:15
